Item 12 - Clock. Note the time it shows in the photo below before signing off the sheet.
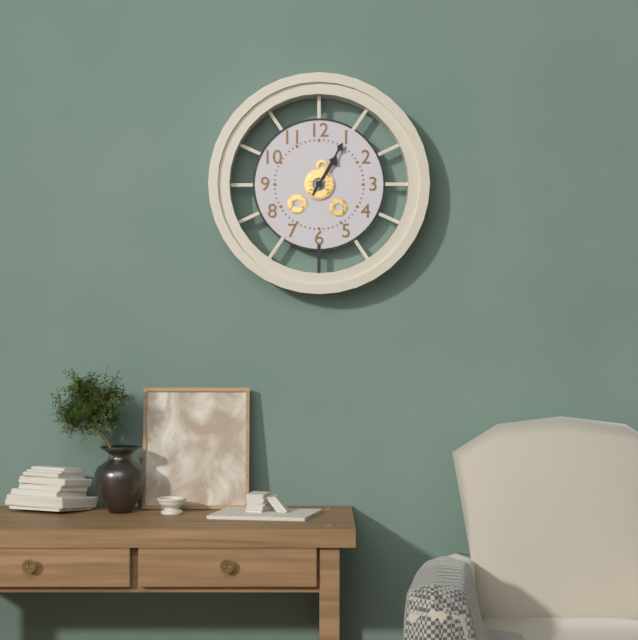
1:05
